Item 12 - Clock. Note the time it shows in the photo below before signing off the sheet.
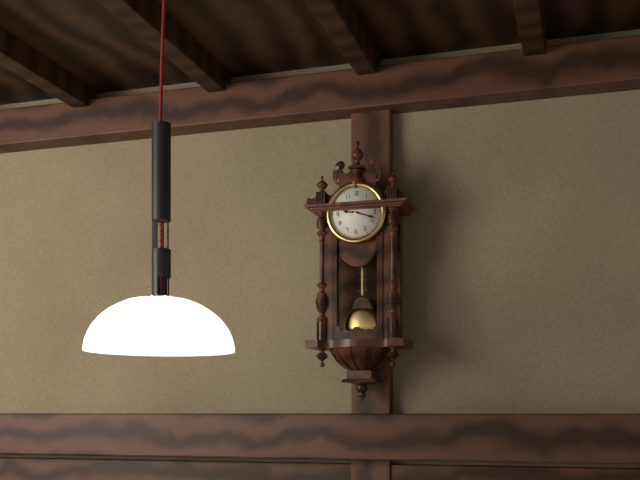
9:18
